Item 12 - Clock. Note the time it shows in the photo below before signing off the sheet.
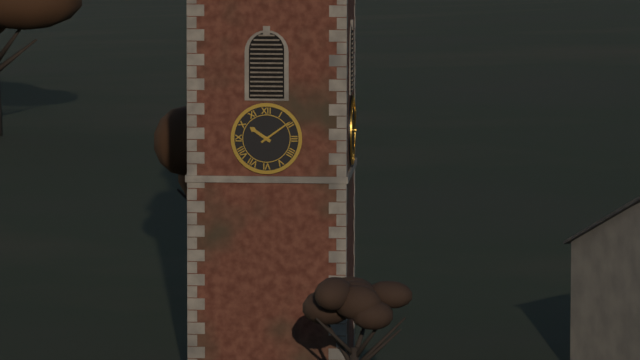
10:09
